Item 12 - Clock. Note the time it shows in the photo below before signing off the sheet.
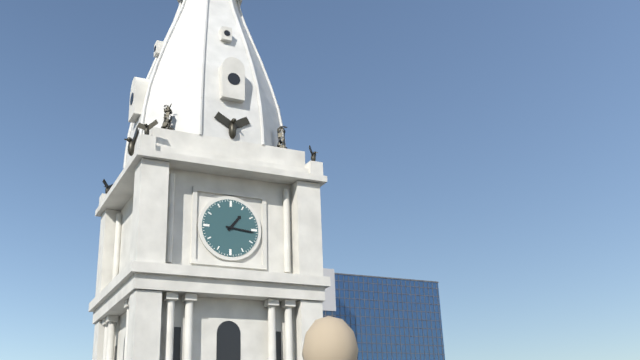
1:16
